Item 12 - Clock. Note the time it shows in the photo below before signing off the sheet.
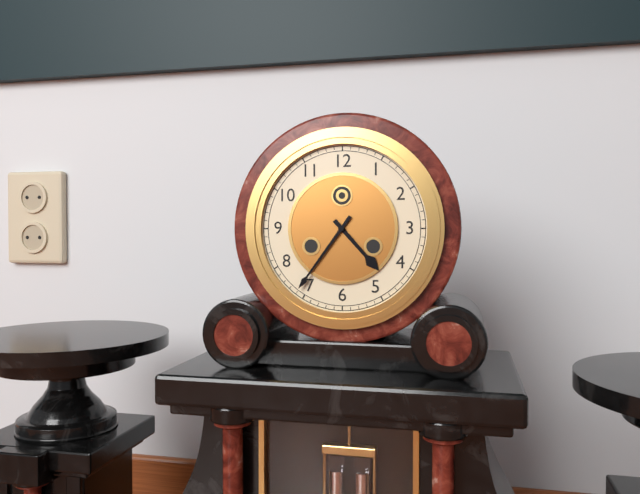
4:36
